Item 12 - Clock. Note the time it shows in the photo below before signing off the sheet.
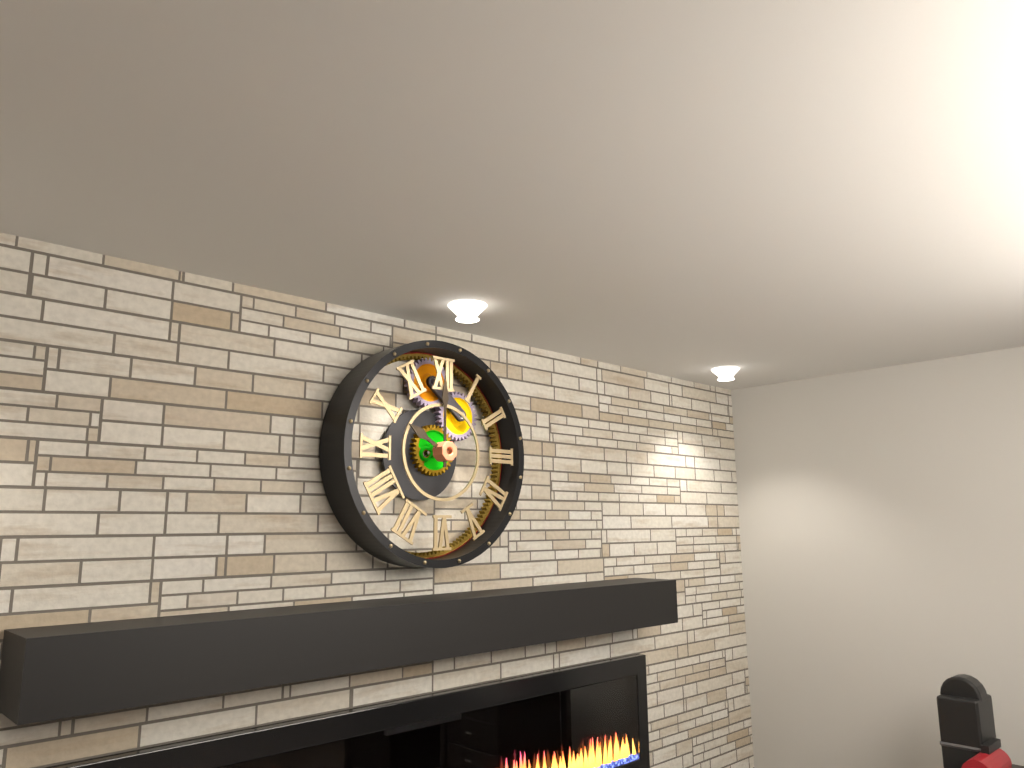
10:00
